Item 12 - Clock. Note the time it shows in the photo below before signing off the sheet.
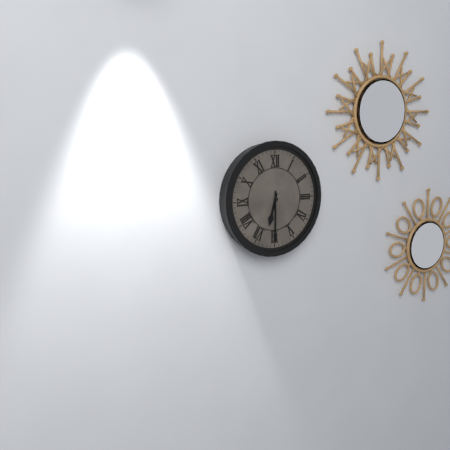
6:30
